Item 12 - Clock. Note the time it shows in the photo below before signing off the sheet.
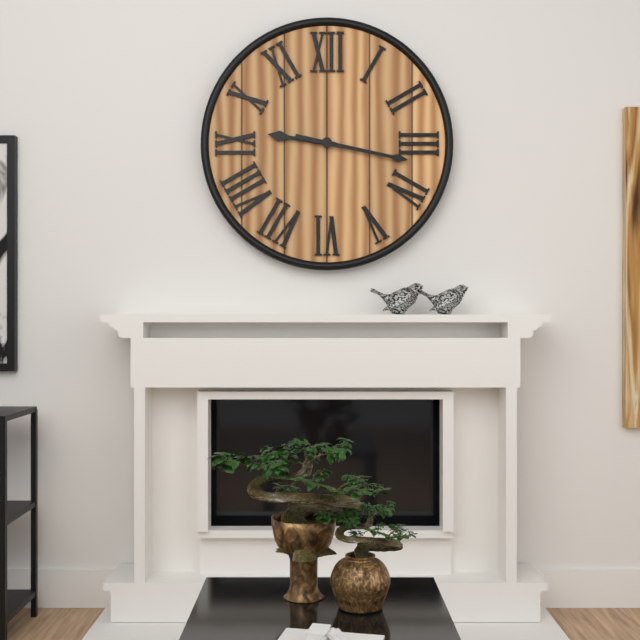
9:17
